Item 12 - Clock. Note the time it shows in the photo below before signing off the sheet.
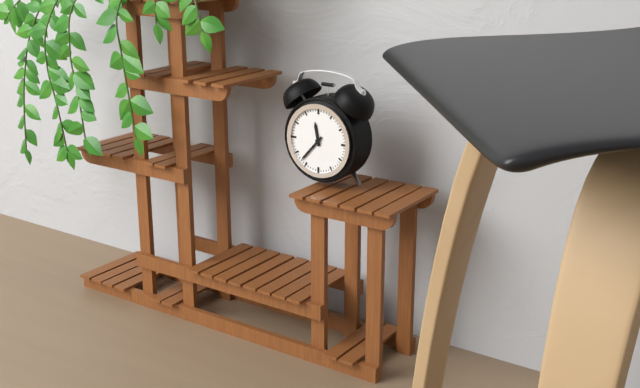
11:37
